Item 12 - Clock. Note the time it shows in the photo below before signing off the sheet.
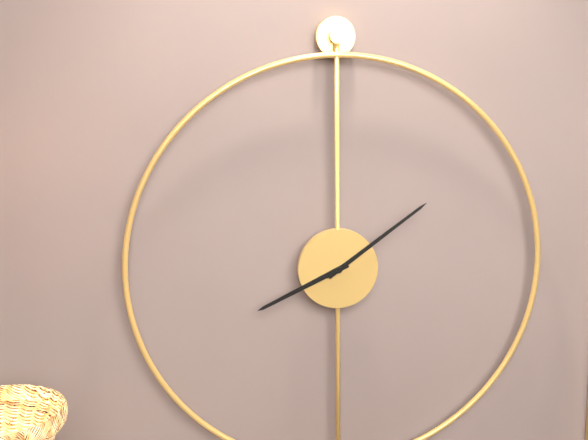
8:09
